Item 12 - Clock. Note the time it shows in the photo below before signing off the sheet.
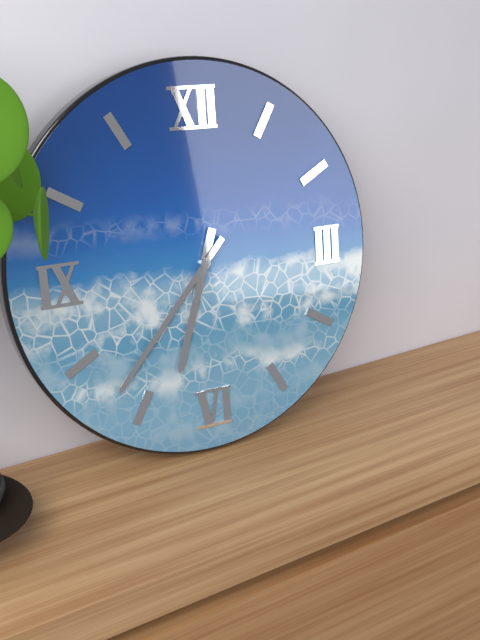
6:37
